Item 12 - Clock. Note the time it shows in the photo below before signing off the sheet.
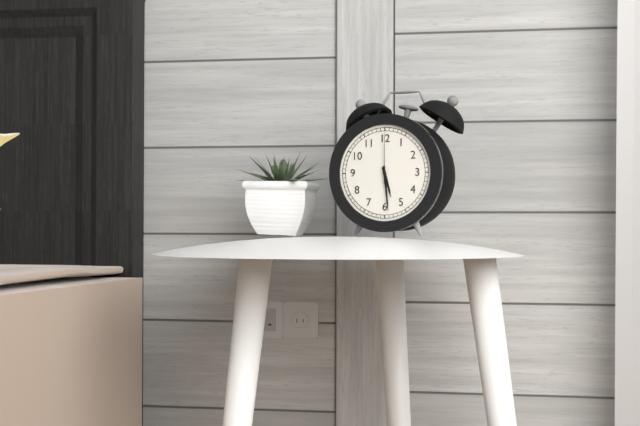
5:29:00
